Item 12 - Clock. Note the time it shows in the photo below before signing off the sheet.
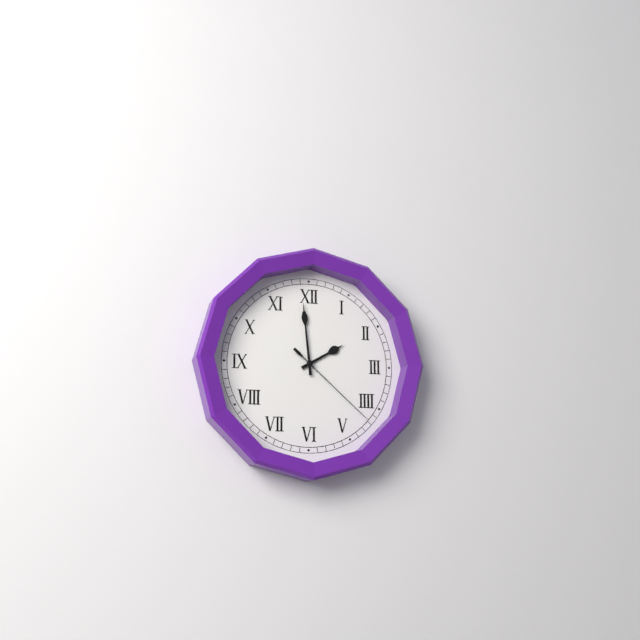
1:59:22
